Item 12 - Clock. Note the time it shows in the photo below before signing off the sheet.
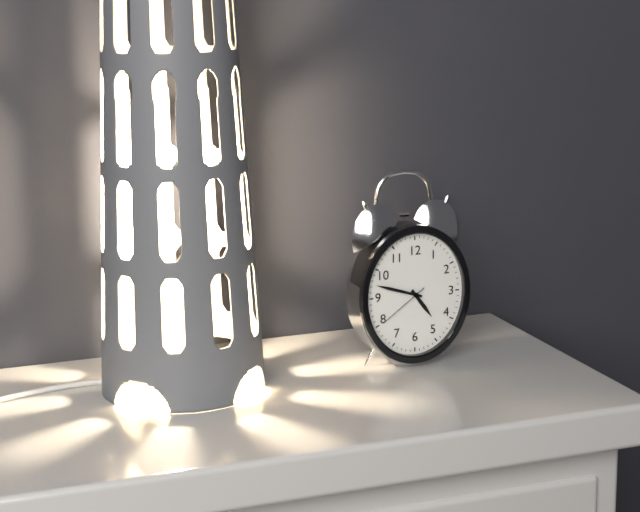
4:48
